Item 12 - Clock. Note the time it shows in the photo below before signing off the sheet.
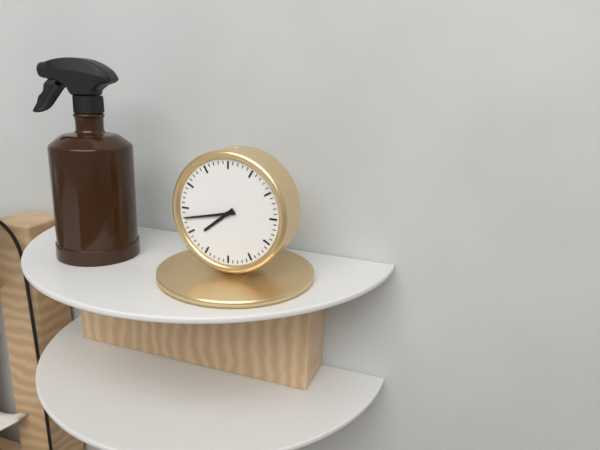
7:43
